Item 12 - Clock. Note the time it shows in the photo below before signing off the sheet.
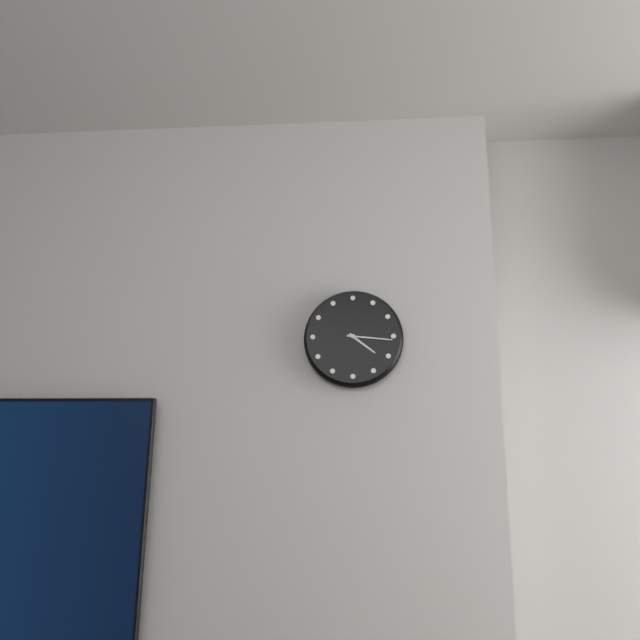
4:16
